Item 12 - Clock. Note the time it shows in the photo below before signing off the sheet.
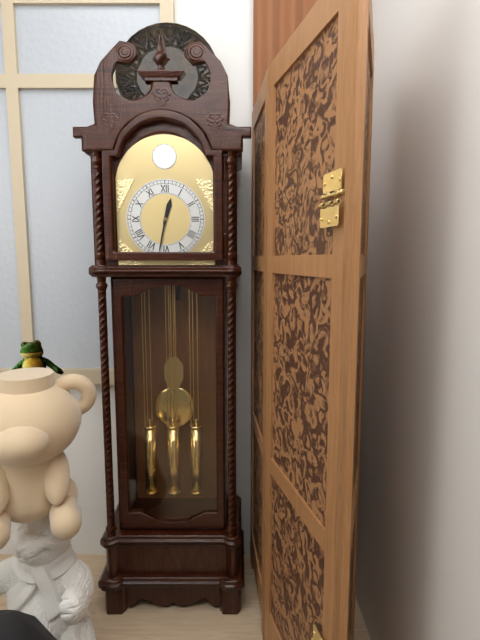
12:32
